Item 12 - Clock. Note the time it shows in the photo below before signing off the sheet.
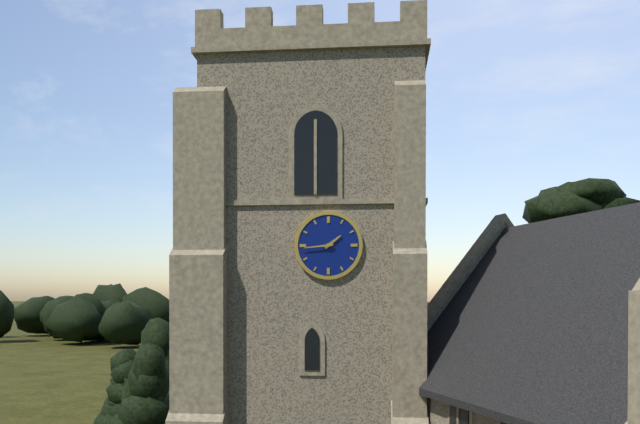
1:44
